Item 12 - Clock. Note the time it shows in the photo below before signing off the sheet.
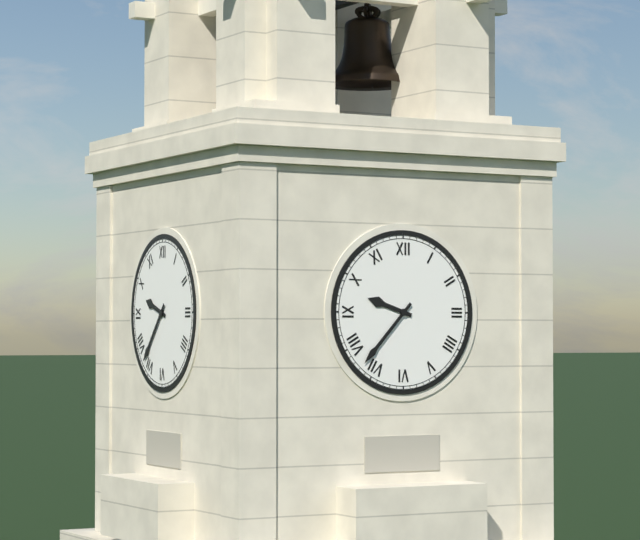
9:37
